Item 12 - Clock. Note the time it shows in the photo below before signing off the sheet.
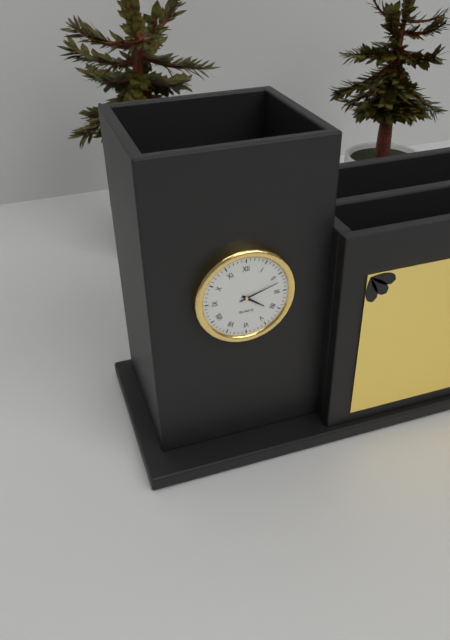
4:12
